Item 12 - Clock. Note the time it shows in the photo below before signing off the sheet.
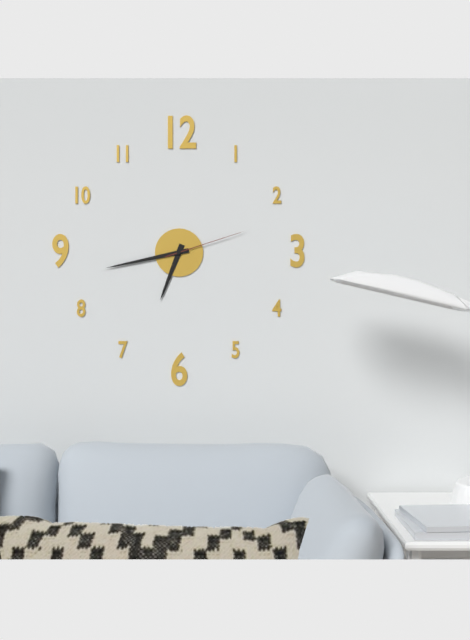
6:43:12
